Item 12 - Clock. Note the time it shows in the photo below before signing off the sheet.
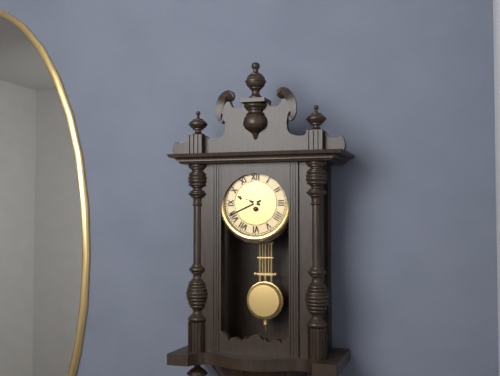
9:41
